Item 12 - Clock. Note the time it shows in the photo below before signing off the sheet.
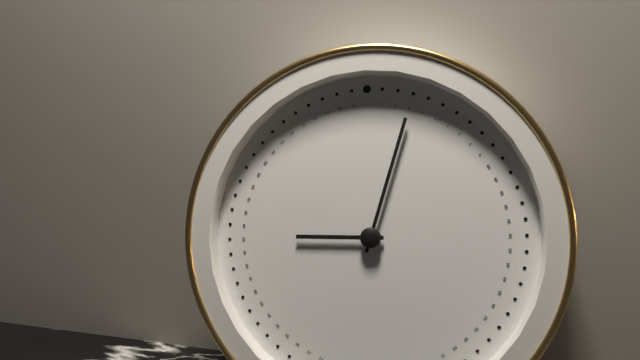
9:03
